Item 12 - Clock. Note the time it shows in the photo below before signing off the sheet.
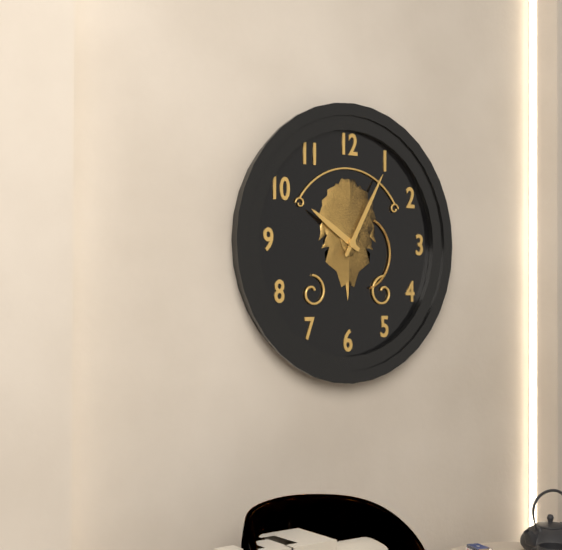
10:05
